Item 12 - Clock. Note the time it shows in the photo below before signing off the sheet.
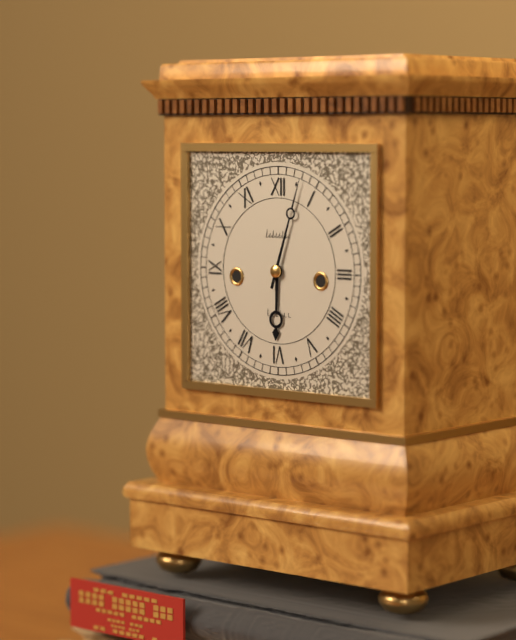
6:03
